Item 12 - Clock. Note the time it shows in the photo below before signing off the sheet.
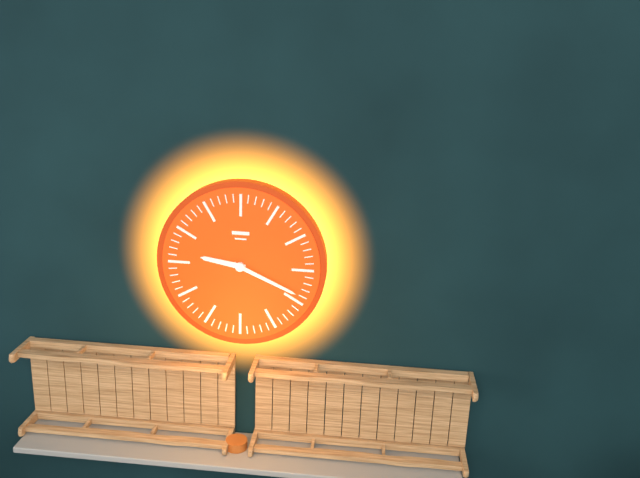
9:19
